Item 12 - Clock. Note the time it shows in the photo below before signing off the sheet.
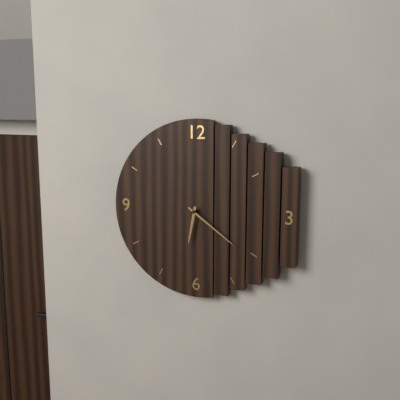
6:21
